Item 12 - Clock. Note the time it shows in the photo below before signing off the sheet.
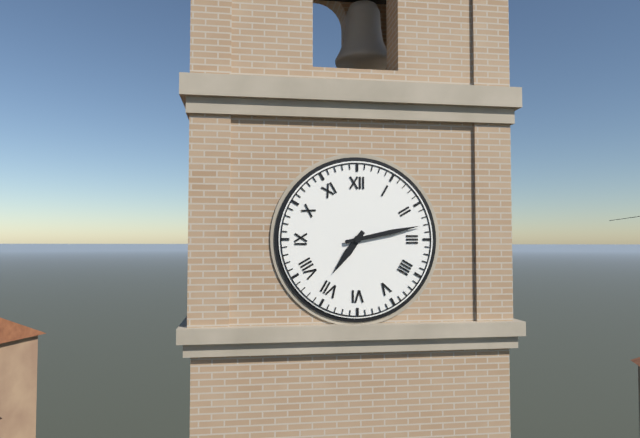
7:13
